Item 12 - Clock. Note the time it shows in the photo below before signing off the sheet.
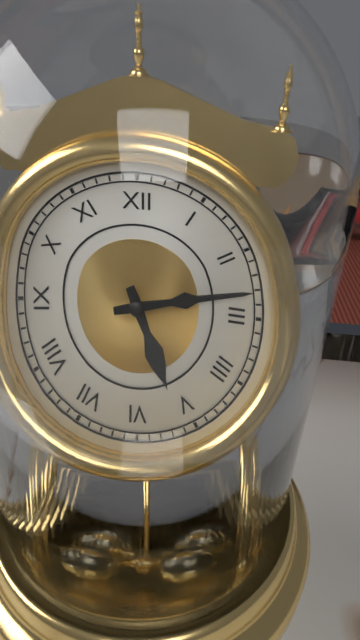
5:13
